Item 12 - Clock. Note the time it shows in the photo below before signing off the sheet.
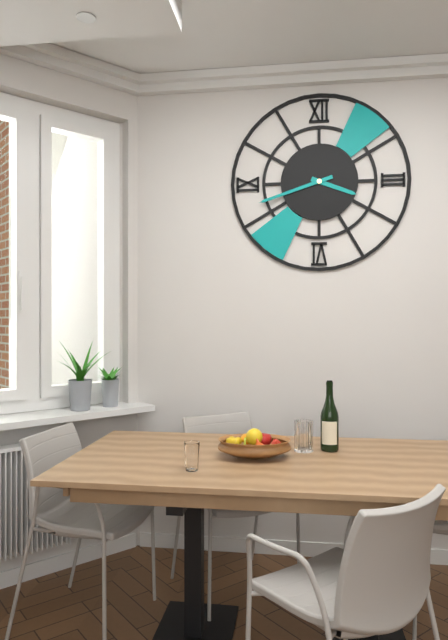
3:42
